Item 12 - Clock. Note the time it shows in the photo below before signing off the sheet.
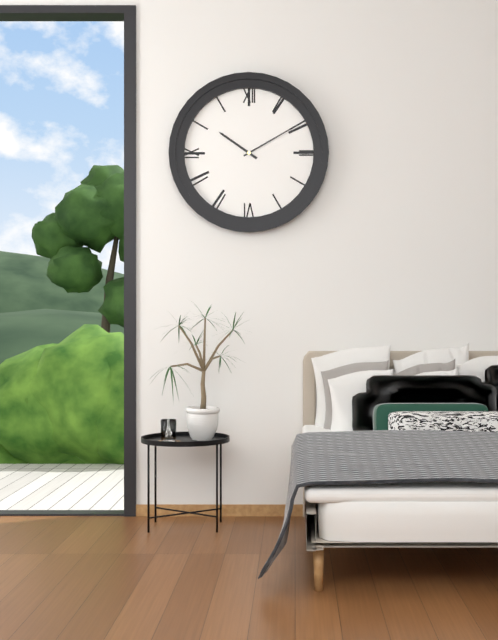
10:10
